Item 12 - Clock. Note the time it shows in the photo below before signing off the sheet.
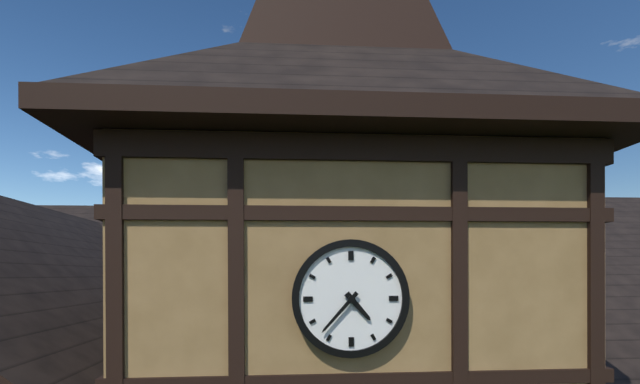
4:37
